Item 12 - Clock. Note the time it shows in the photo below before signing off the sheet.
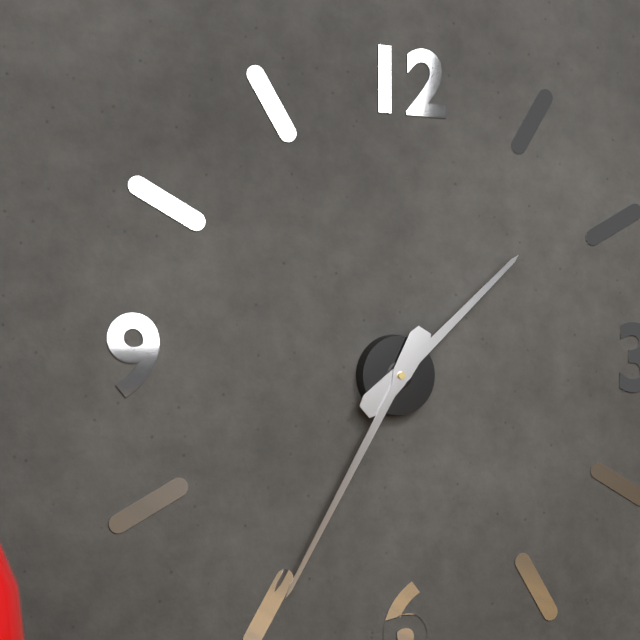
1:35
